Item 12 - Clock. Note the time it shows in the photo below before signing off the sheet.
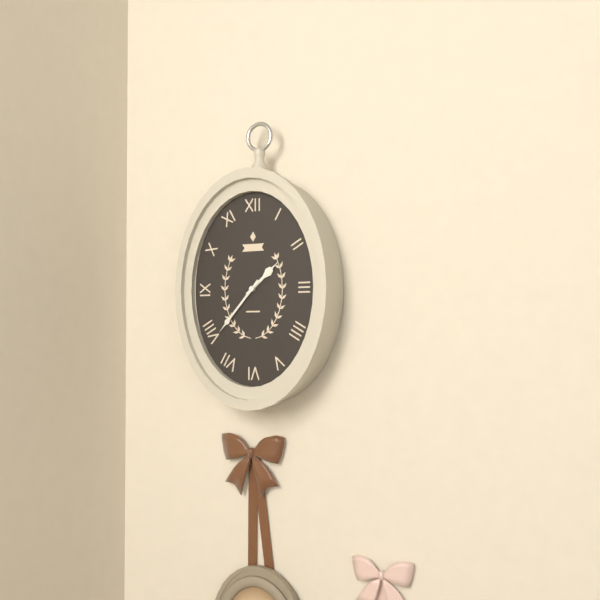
1:37
